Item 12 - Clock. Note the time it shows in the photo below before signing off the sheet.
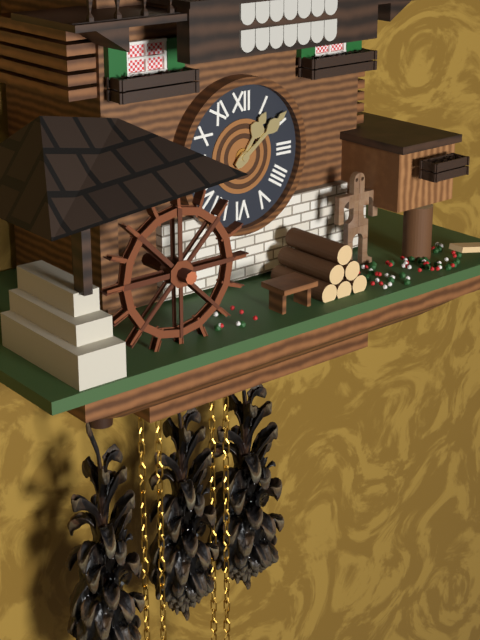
1:09
